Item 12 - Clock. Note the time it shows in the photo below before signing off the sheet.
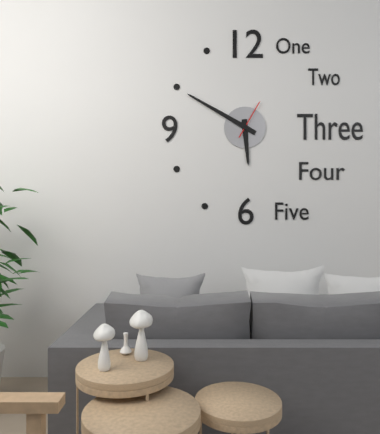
5:50
